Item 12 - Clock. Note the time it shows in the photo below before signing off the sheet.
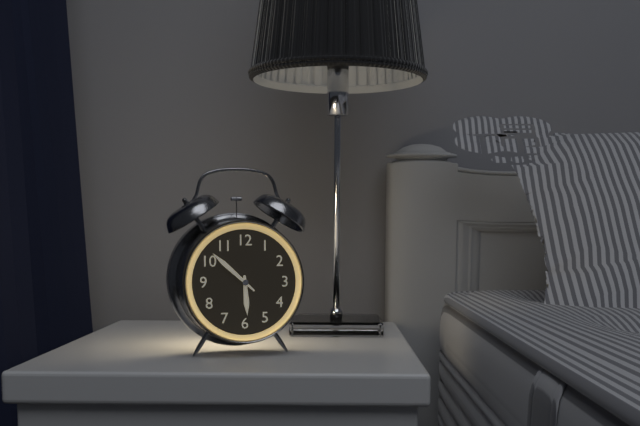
5:52
